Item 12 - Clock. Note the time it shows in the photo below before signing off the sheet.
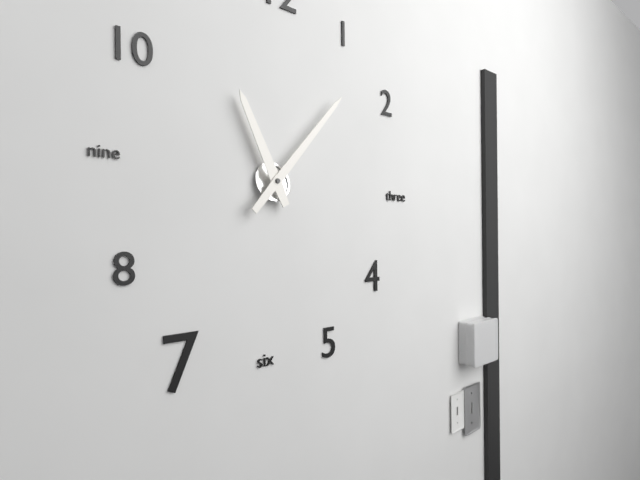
11:07
